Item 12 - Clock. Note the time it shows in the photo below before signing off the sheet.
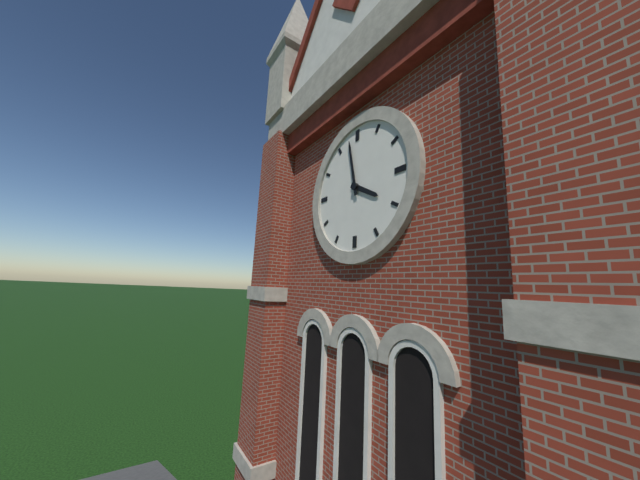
3:58
